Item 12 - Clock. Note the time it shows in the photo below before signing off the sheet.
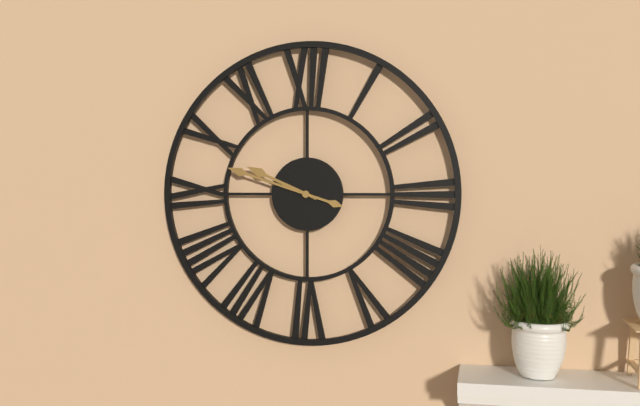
9:48
